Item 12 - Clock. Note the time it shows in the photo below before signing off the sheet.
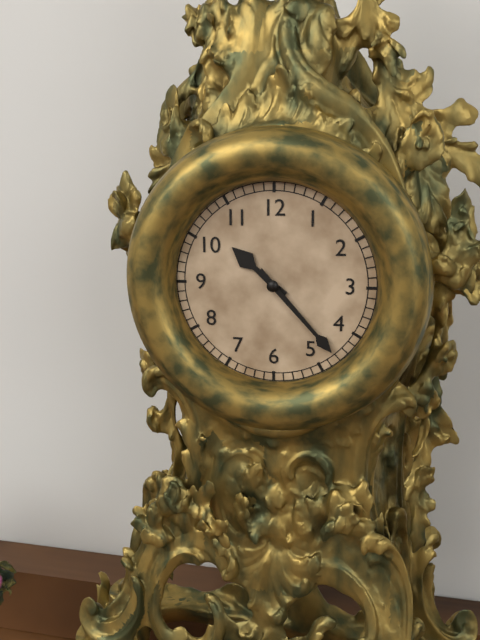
10:23
